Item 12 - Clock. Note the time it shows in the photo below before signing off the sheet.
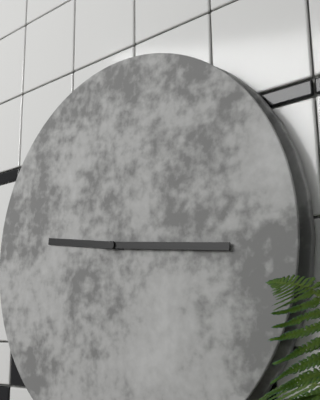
9:16
